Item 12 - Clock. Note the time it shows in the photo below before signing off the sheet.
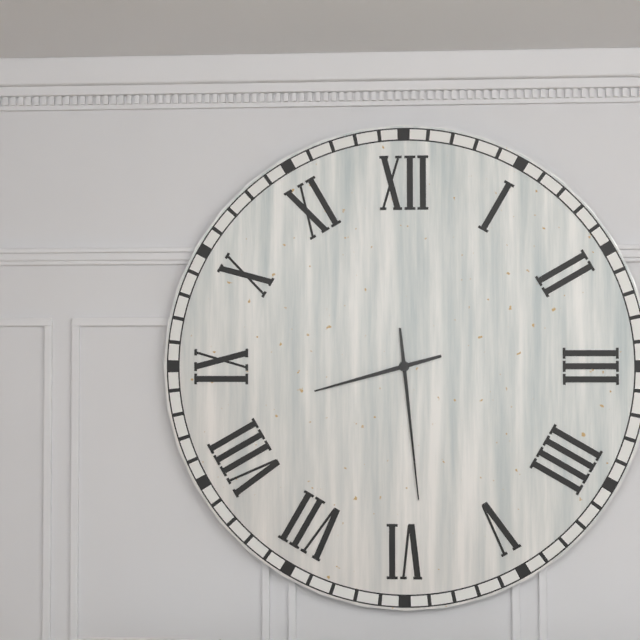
8:29
